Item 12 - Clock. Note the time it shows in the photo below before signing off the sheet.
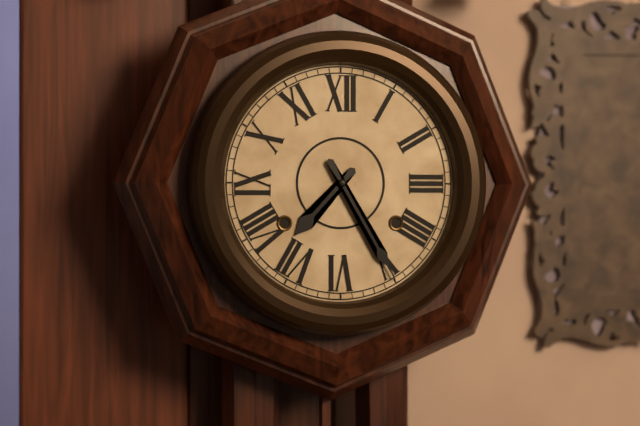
7:25
